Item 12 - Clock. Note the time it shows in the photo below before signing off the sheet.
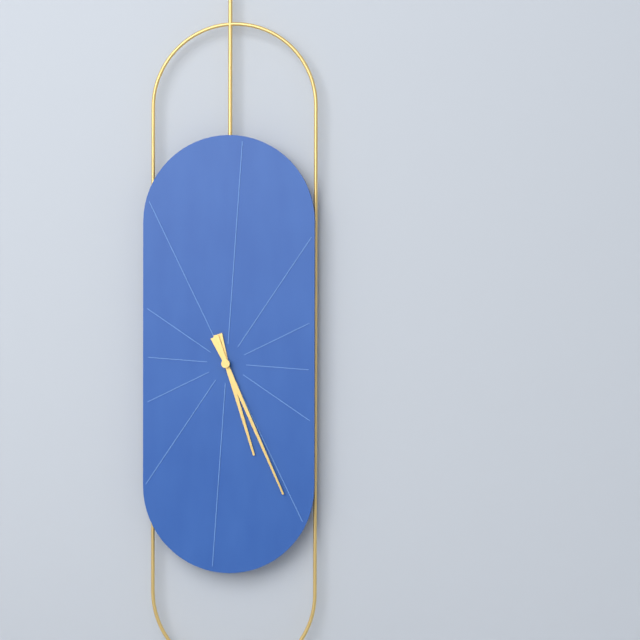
5:26
